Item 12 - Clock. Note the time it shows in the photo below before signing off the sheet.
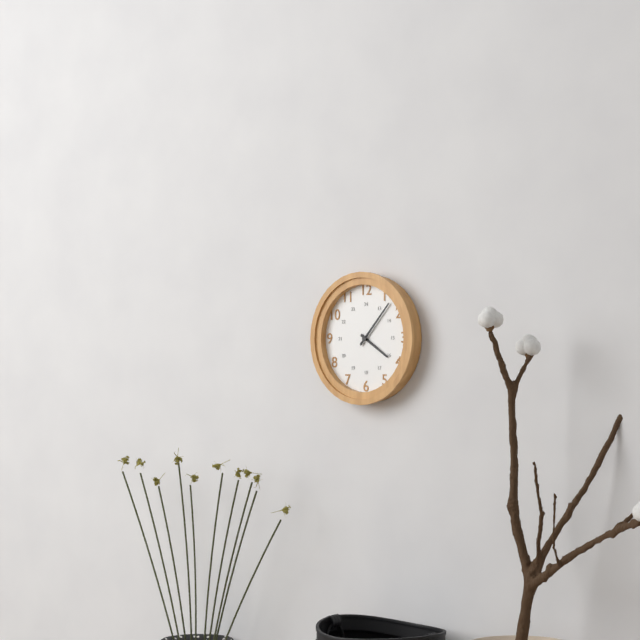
4:07
